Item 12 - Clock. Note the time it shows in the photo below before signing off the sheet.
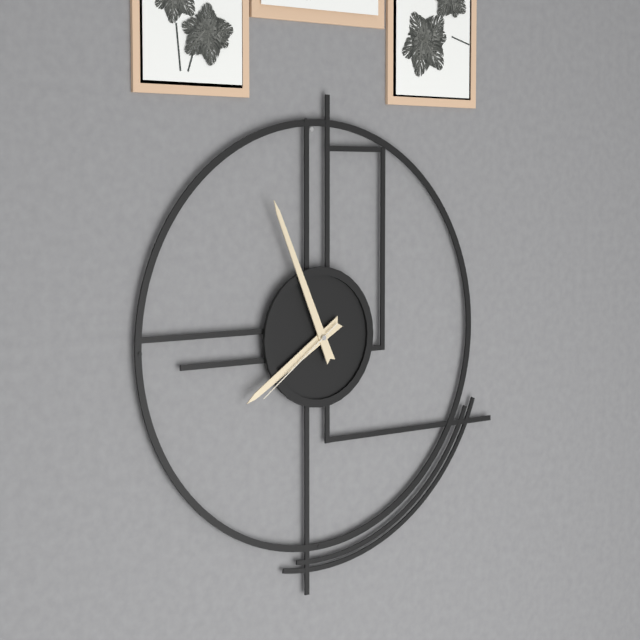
7:56:39
